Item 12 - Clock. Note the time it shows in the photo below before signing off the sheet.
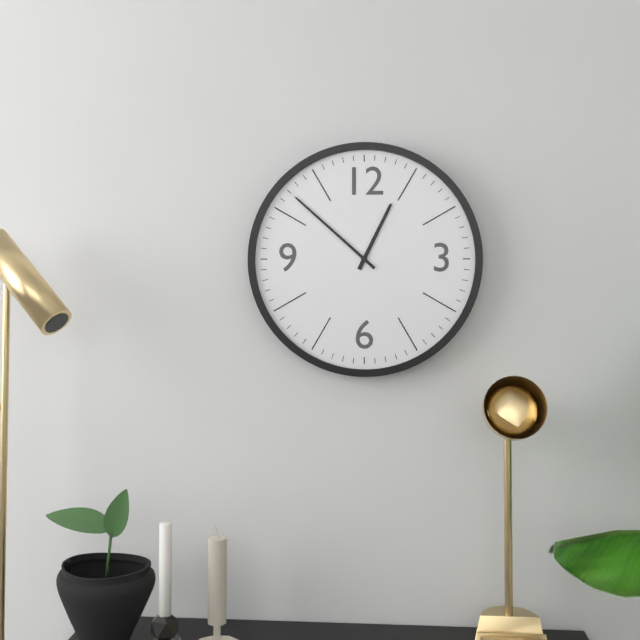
12:52
